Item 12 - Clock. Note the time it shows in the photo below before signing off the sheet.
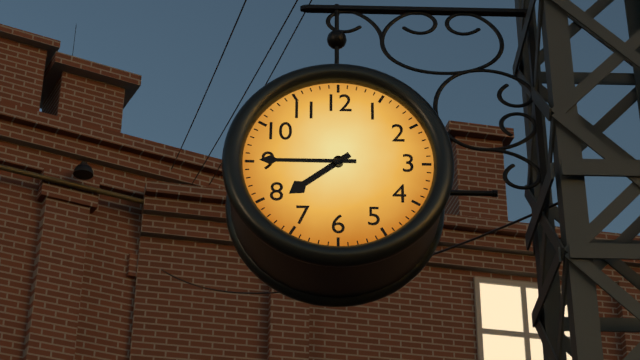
7:45
